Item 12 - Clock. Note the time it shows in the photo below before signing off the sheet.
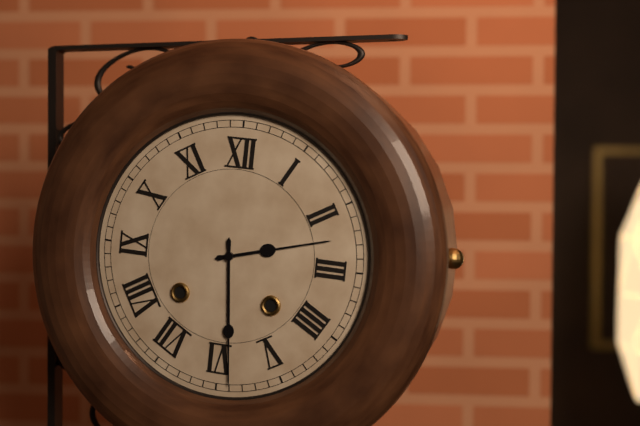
2:29
